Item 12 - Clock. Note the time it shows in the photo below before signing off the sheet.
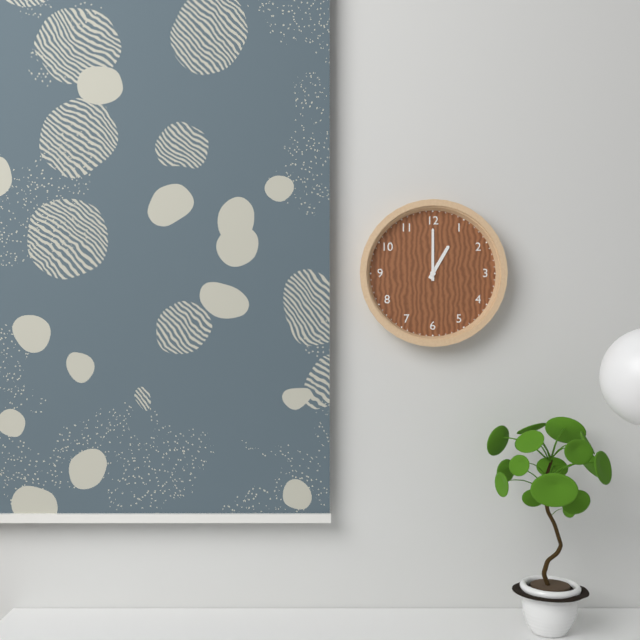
1:00
